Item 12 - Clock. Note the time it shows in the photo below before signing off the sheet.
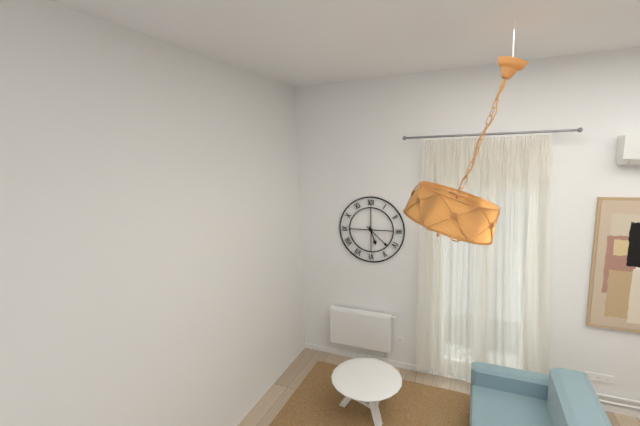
5:22
